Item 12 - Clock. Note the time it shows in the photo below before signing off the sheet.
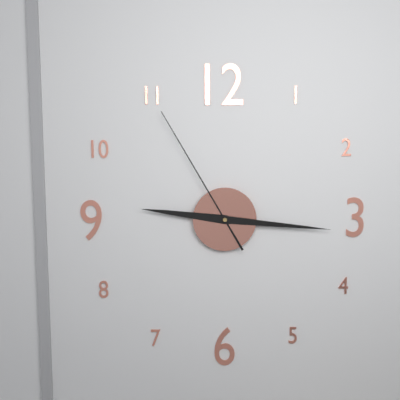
9:16:55
